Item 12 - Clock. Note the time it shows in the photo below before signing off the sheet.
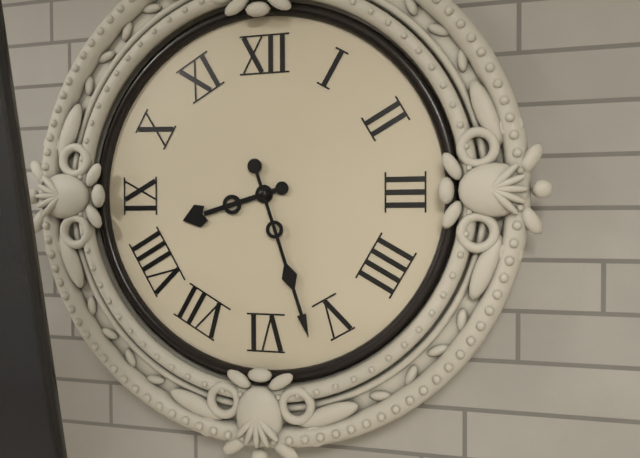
8:27
